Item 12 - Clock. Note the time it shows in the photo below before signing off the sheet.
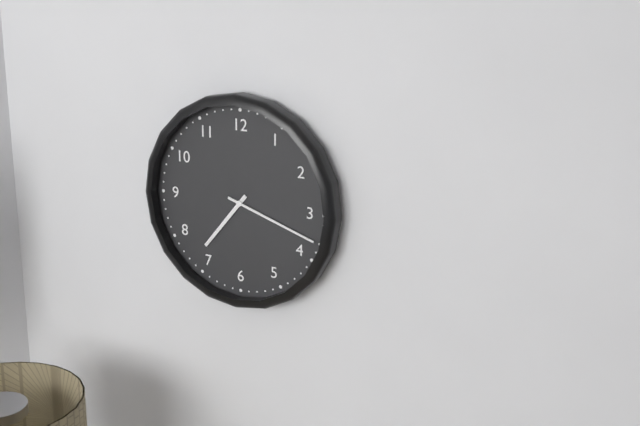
7:18
